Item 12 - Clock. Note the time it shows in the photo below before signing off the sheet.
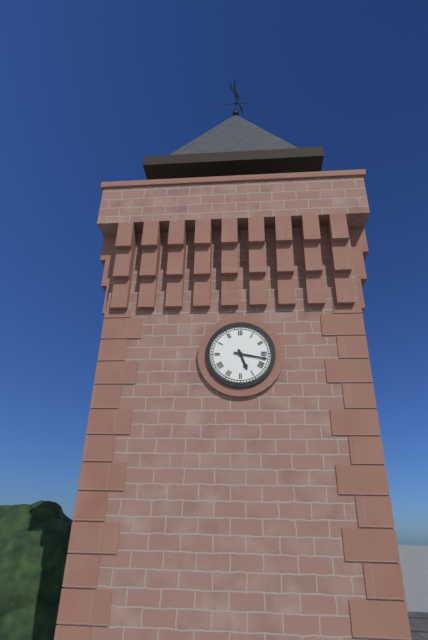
5:17
